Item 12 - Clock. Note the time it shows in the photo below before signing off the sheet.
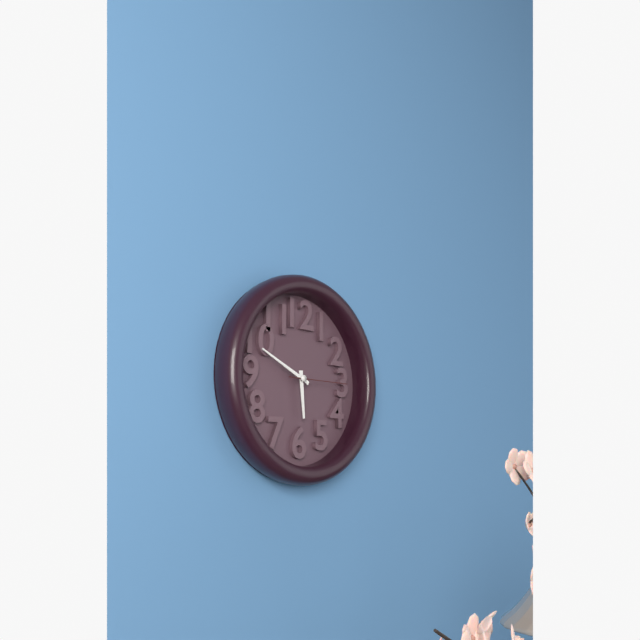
5:49:15
